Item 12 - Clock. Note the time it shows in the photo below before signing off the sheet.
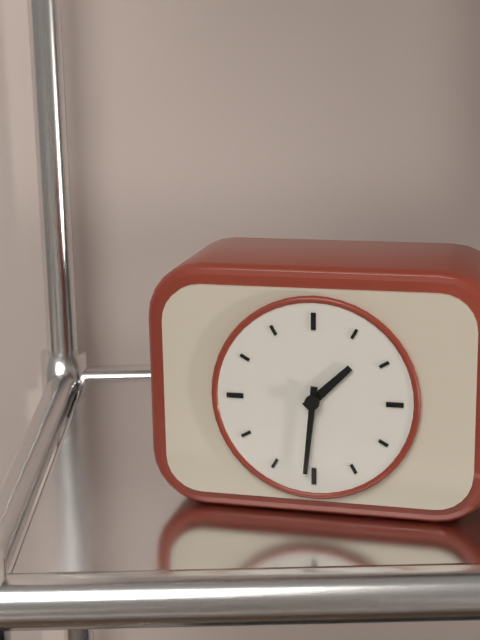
1:31
